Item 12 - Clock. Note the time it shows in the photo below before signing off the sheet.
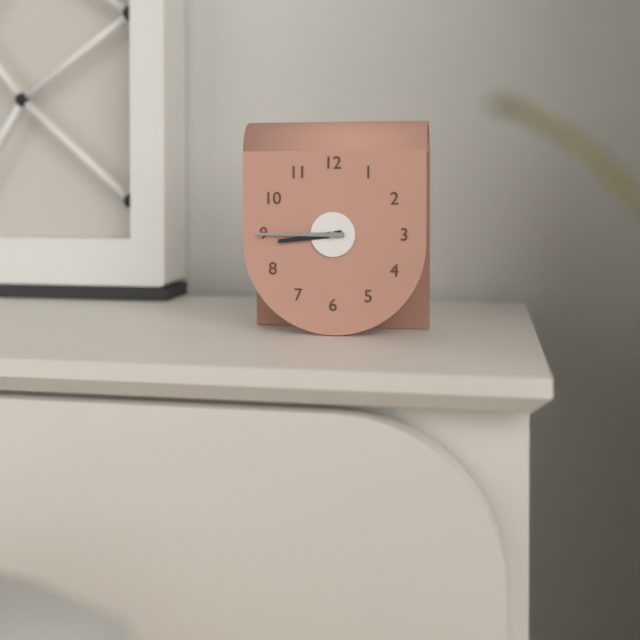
8:45
